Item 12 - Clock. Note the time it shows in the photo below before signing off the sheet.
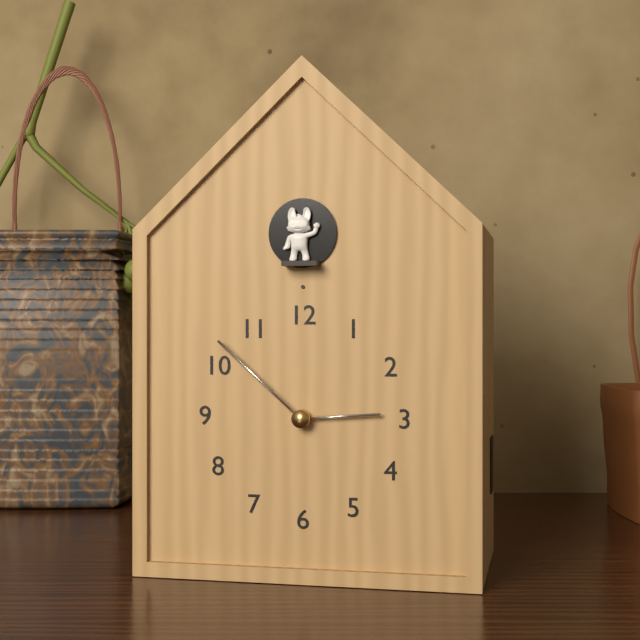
2:52
